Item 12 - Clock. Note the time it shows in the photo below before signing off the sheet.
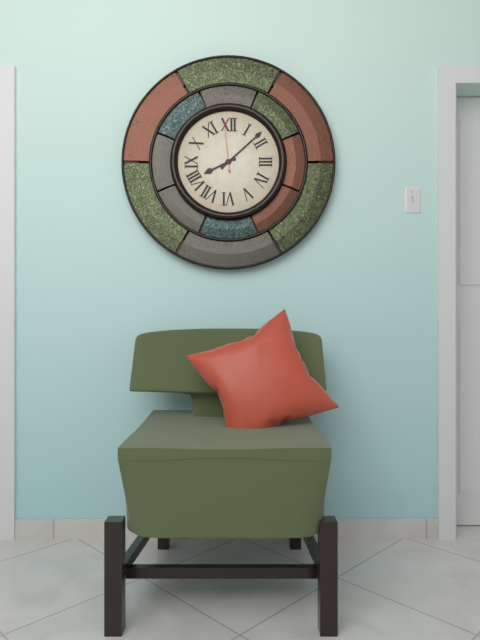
8:08:59
